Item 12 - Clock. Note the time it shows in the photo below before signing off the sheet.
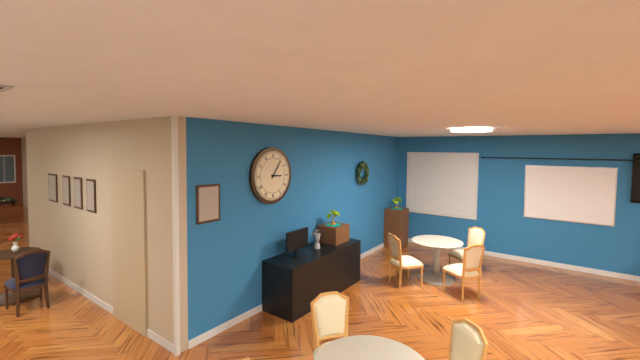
3:06
